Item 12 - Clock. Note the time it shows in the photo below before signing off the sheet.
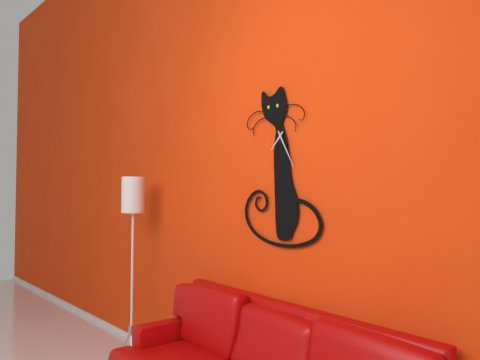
7:25
